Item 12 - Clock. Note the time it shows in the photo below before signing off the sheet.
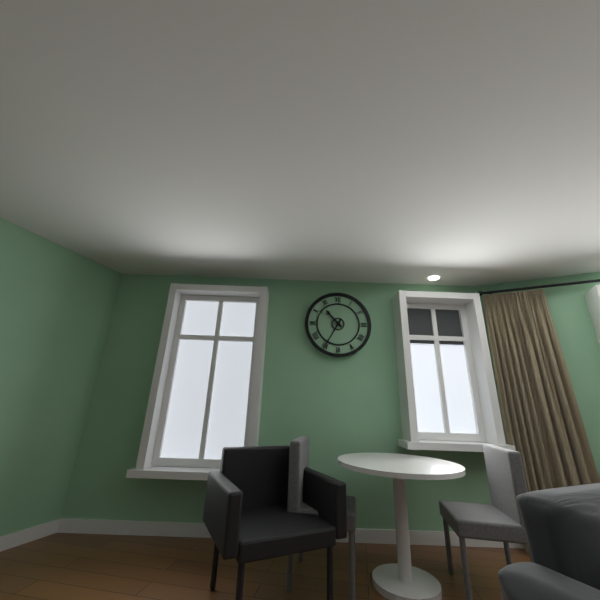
10:35
